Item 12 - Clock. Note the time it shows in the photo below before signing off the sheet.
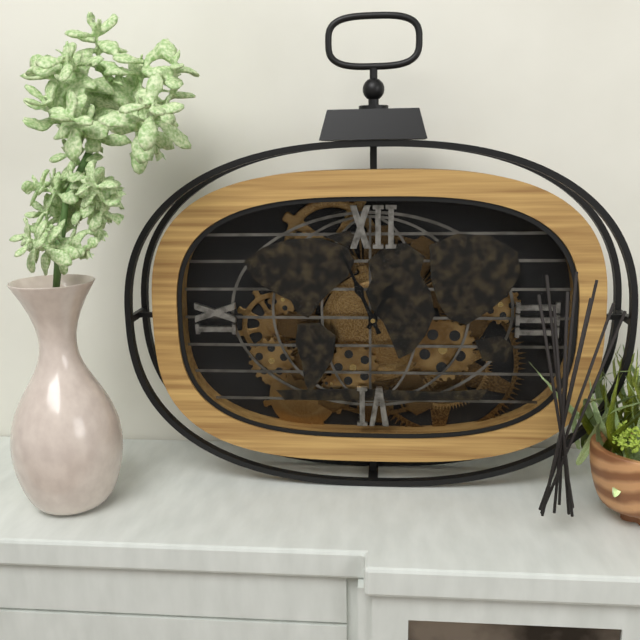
12:56
